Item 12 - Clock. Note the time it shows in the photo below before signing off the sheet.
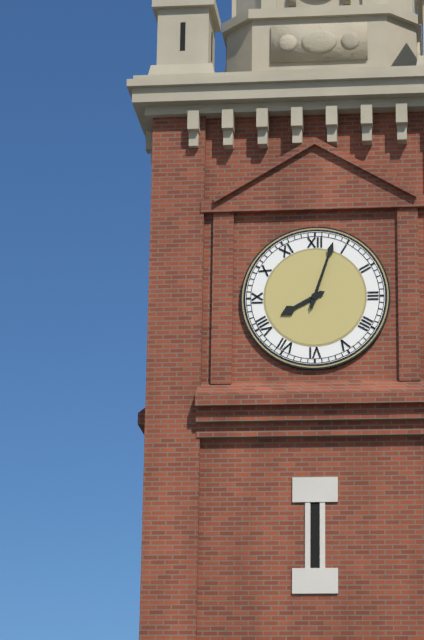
8:03
